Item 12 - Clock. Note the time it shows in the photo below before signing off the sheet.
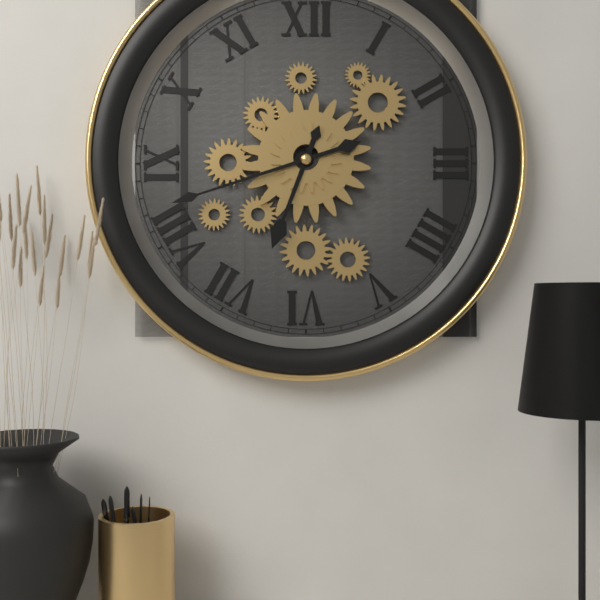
6:42
